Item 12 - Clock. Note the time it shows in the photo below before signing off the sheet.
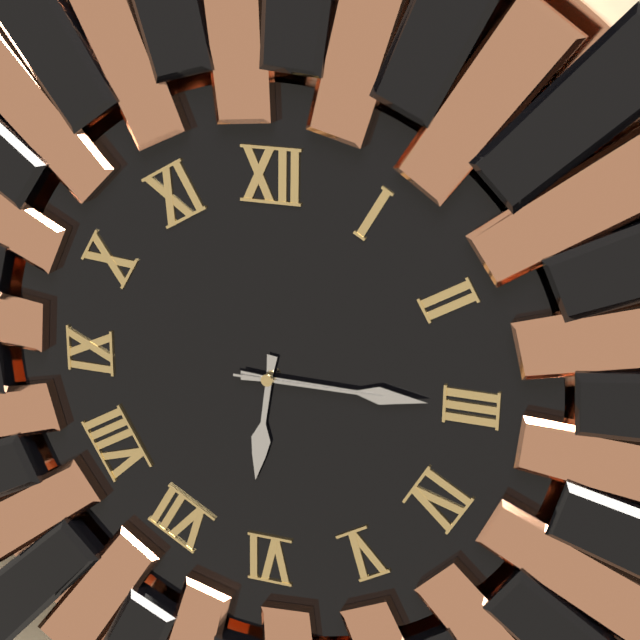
6:15:15
